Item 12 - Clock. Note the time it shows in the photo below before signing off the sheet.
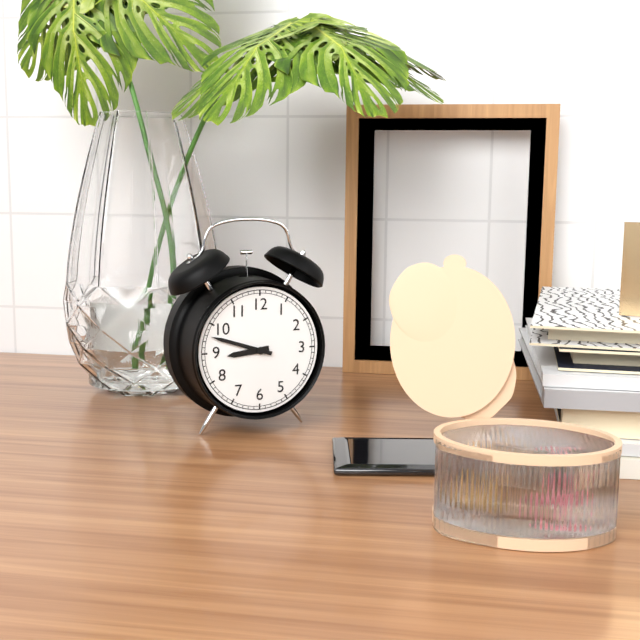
8:48
